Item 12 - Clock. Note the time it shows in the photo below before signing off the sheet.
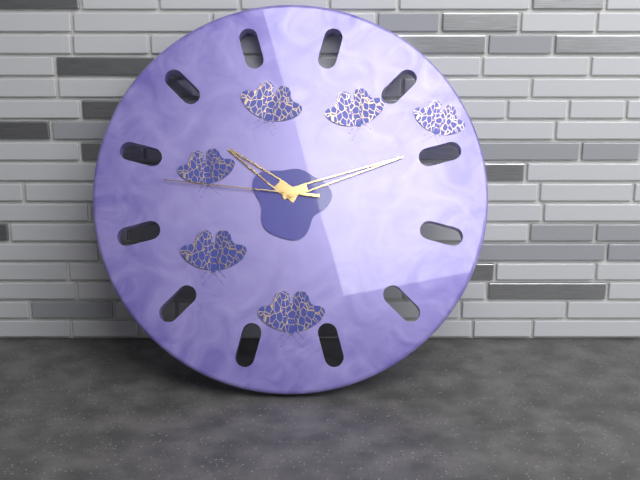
10:12:46
